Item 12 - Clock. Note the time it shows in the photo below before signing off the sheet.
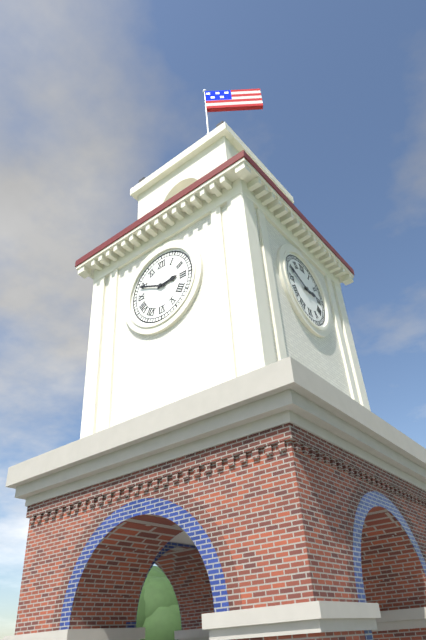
2:49
